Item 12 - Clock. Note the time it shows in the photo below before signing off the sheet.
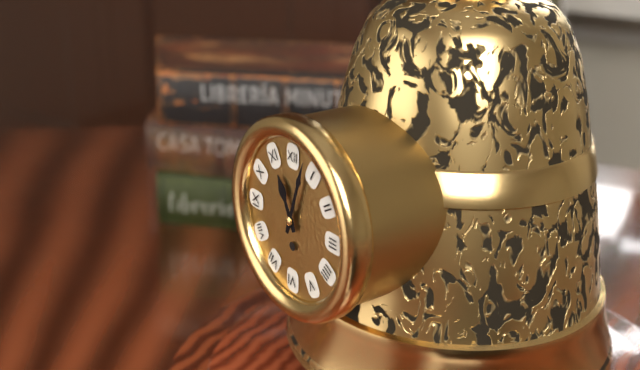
11:03
